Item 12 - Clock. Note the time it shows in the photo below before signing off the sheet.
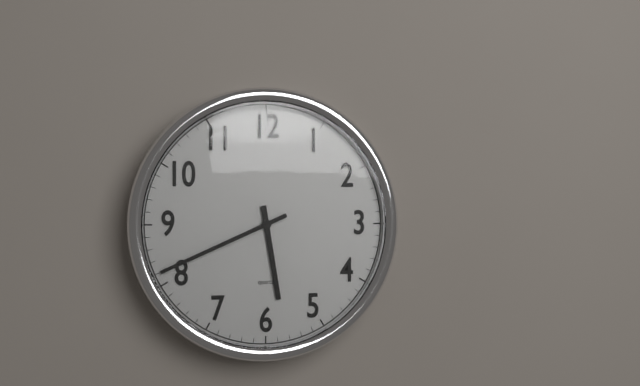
5:41
